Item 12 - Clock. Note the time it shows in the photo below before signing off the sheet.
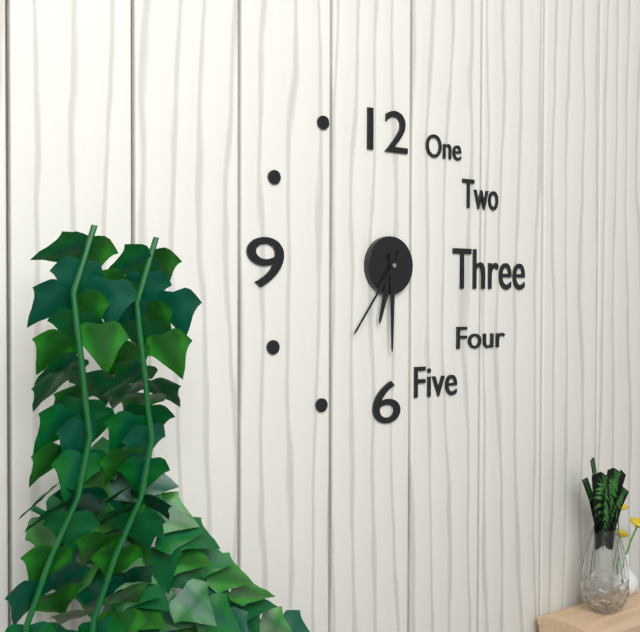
6:30:36
